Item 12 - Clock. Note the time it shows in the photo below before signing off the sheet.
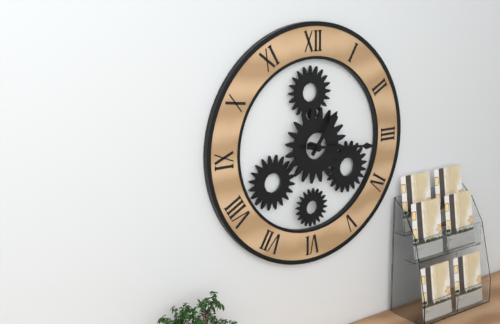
1:16
